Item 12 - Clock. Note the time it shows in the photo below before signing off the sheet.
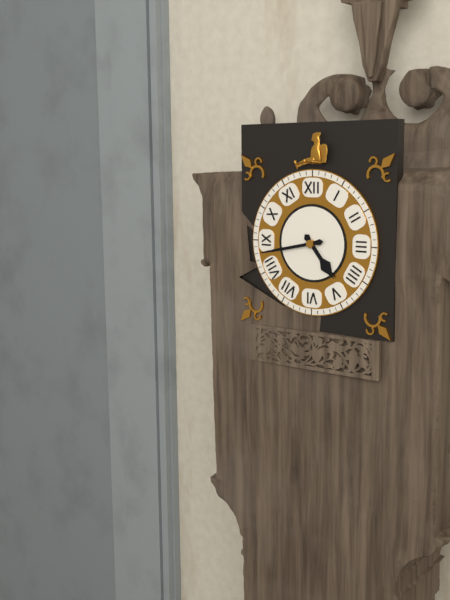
4:43
